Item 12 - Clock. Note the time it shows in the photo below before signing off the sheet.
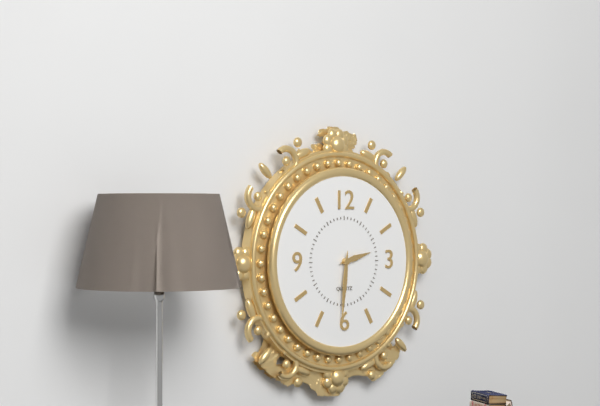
2:31
